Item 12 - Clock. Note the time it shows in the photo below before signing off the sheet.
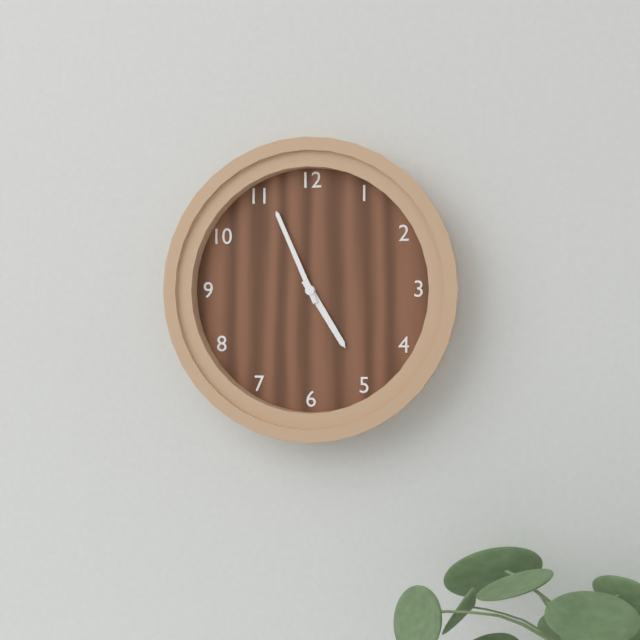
4:56
